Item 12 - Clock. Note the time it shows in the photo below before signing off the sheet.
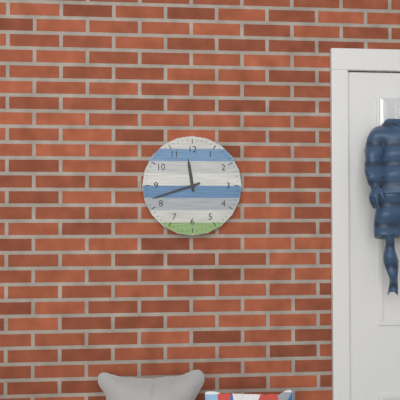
11:42
